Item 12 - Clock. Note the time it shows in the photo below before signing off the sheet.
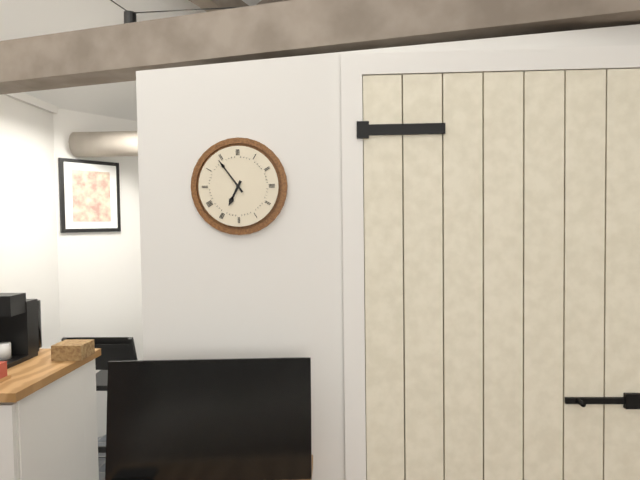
6:54
